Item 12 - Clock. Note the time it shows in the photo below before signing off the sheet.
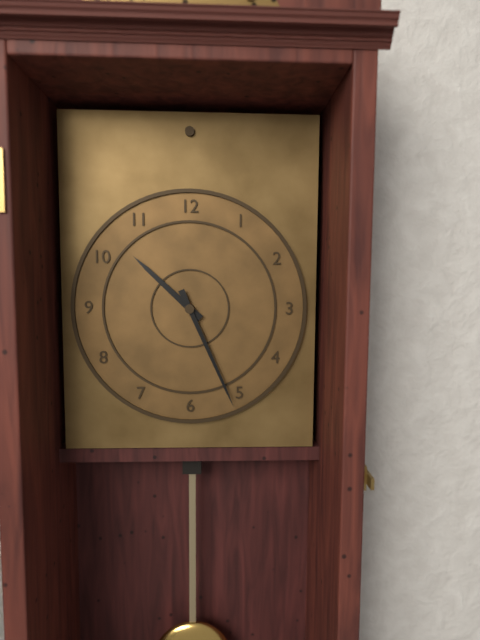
10:26
